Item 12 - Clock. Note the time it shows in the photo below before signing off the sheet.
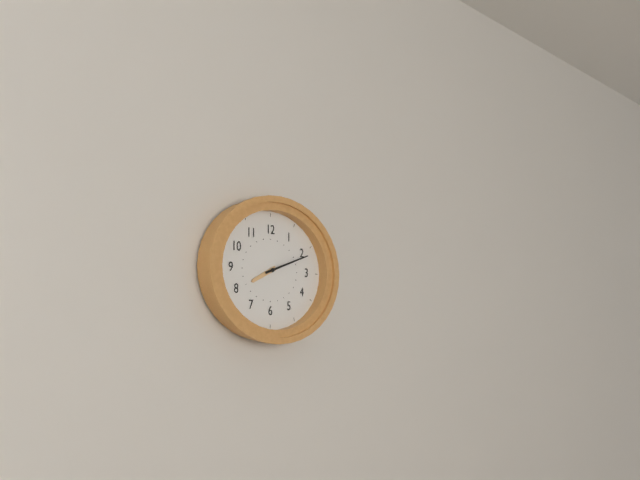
8:12
